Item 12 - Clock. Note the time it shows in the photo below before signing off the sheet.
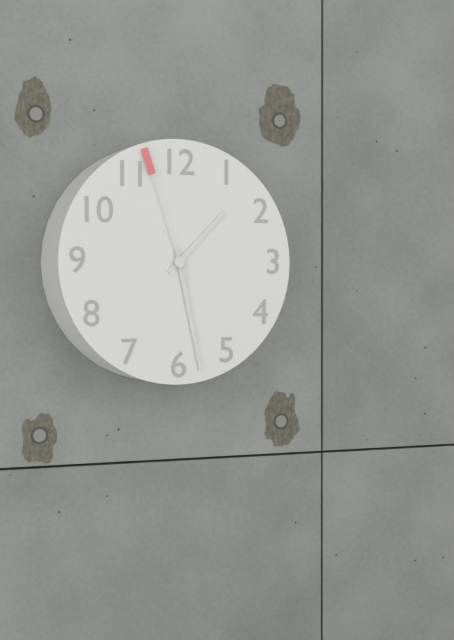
1:28:57
